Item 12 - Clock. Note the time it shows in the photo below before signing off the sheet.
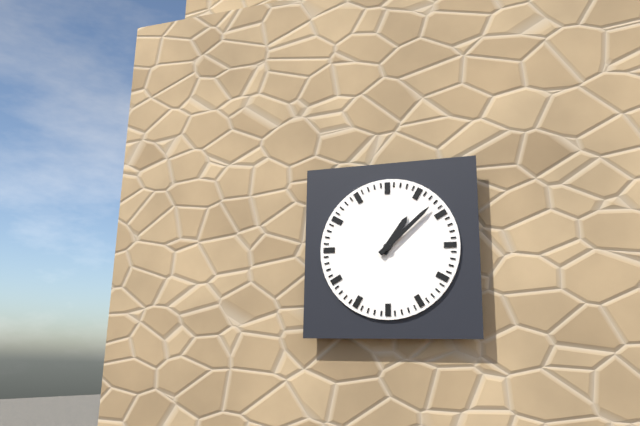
1:08
